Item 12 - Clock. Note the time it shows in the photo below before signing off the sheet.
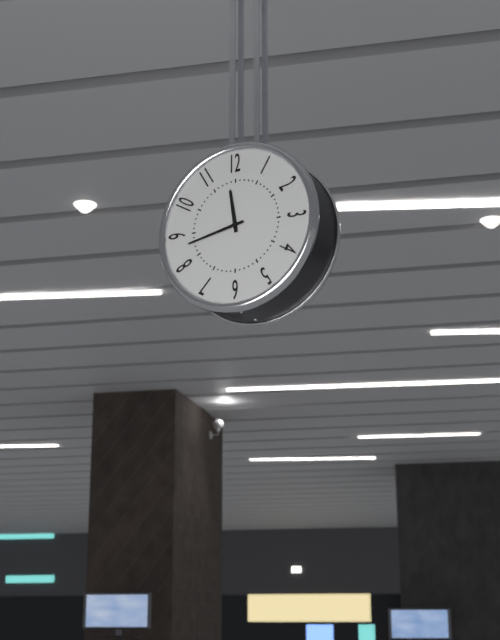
11:43
